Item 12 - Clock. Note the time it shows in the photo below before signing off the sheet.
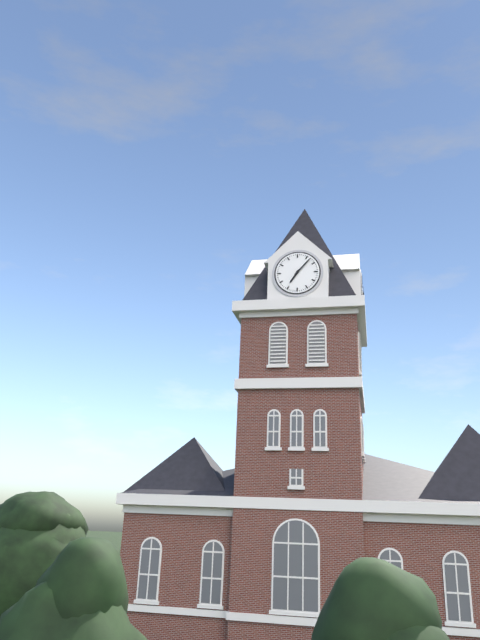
7:07
